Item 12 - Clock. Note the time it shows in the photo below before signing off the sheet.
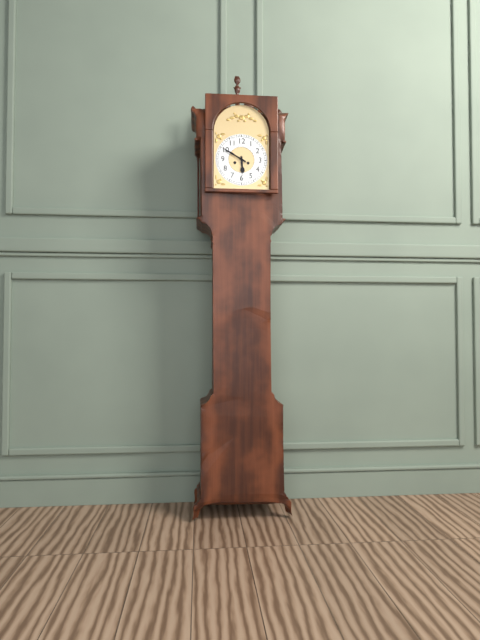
5:50
